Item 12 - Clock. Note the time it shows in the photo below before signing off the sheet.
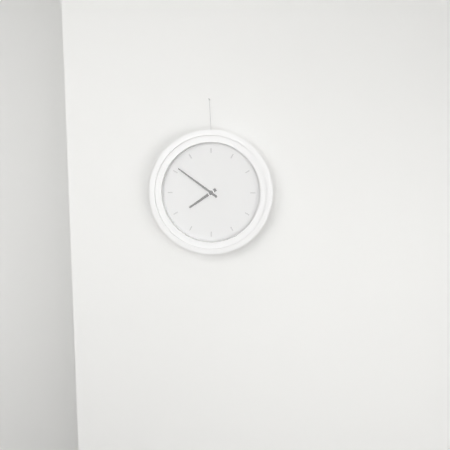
7:51
